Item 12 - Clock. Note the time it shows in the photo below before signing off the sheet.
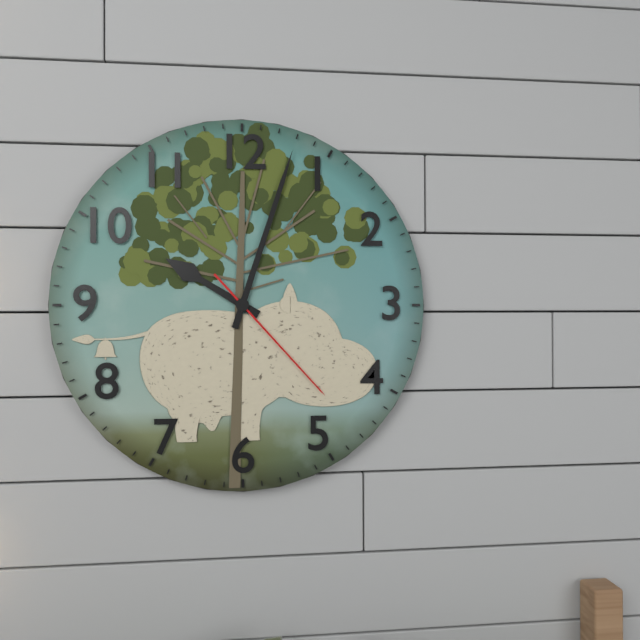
10:03:23
